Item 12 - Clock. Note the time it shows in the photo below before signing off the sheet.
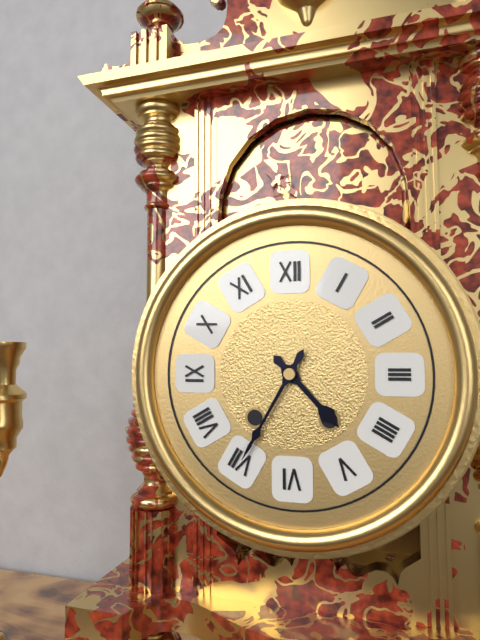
4:35
